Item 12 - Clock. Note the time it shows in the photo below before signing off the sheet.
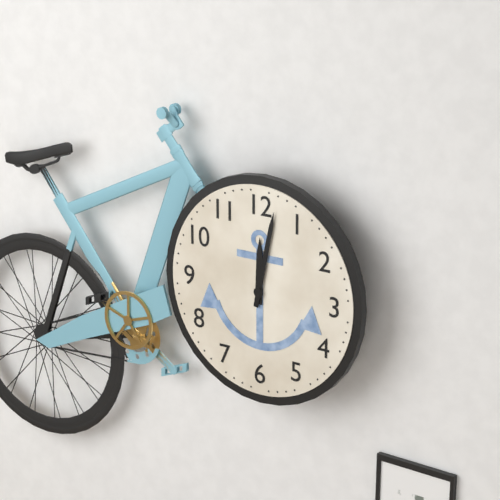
12:02
